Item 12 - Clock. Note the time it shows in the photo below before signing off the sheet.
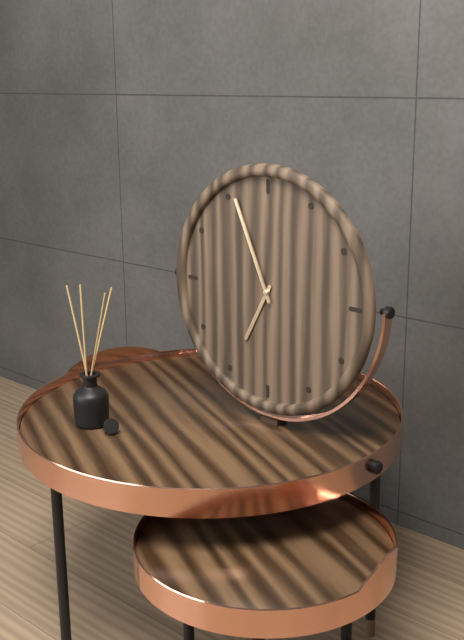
6:56
